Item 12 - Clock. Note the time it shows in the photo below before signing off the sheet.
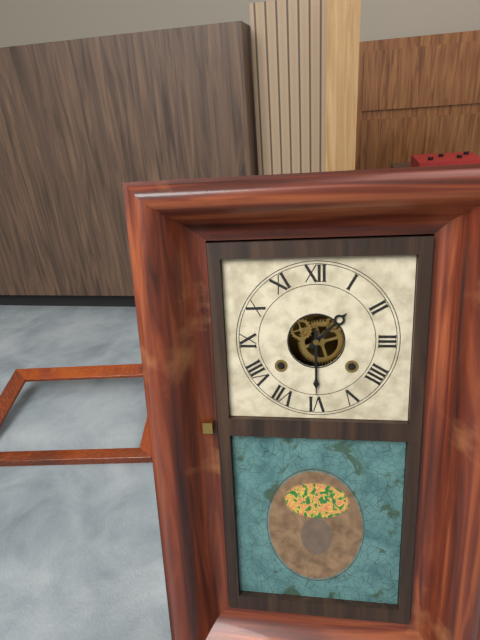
1:30
